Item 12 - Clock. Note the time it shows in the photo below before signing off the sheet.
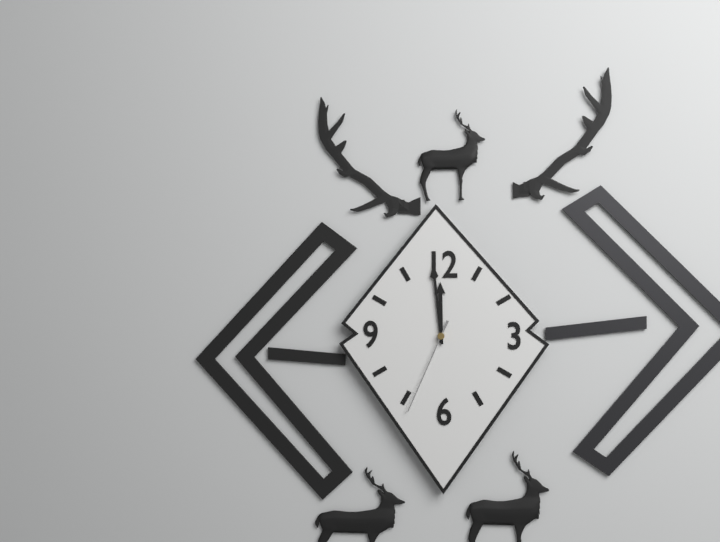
11:59:34
